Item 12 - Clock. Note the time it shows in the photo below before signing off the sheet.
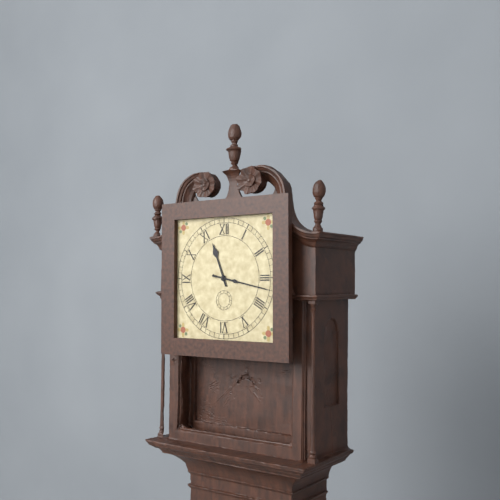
11:17
